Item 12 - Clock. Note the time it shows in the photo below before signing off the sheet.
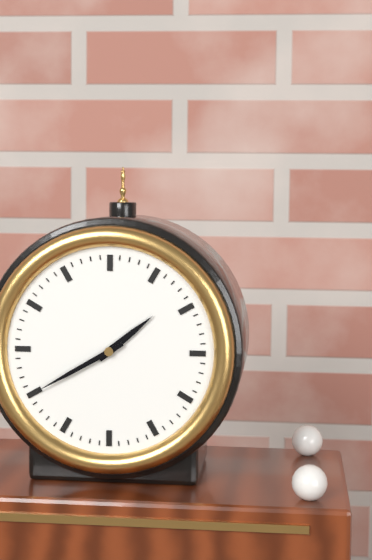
1:40
